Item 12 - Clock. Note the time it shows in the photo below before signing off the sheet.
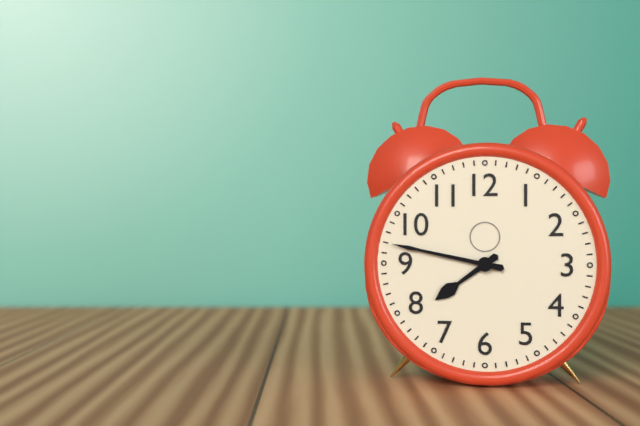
7:47
